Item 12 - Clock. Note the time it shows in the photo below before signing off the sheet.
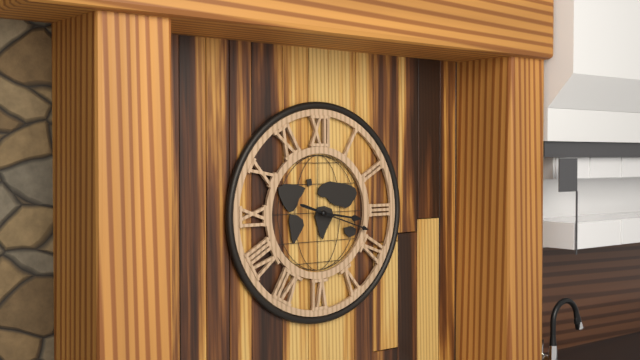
3:18
